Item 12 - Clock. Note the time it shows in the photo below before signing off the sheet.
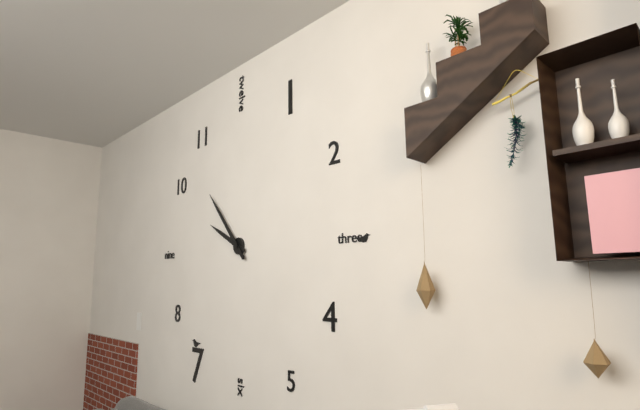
9:53
